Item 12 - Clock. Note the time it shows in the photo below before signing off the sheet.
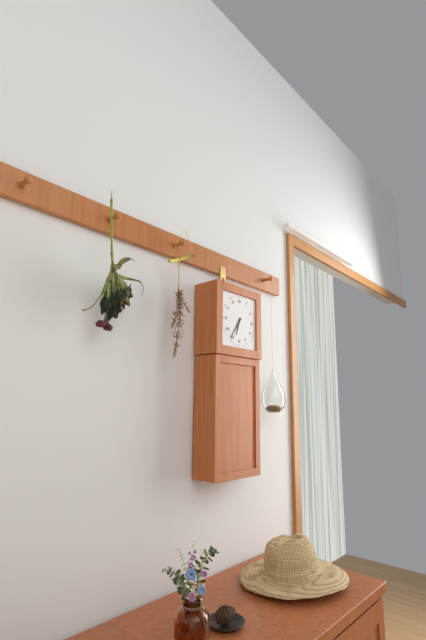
6:36
